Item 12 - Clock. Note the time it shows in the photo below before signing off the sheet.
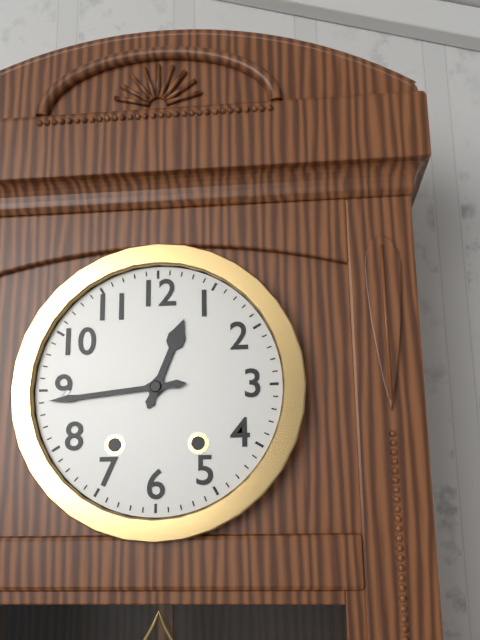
12:44
